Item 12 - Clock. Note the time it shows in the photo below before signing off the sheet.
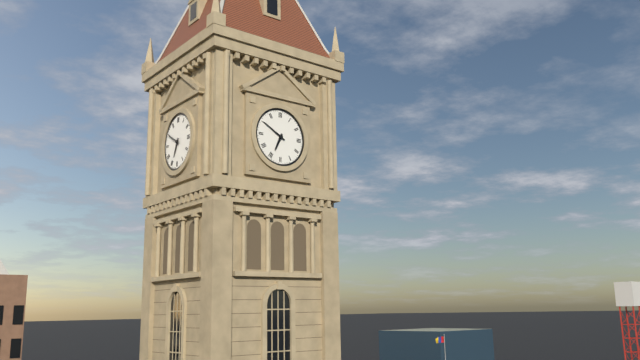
6:50
